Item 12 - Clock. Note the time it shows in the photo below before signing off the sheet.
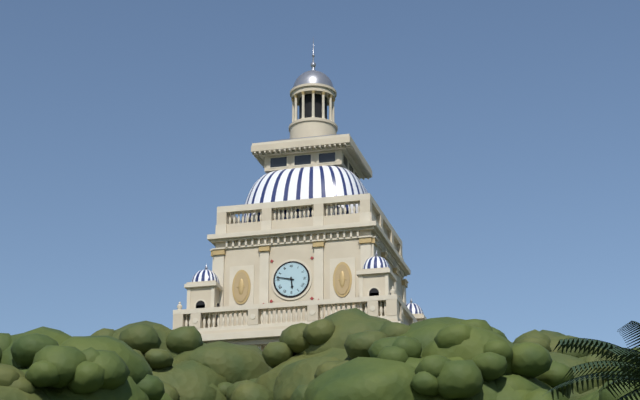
5:47
